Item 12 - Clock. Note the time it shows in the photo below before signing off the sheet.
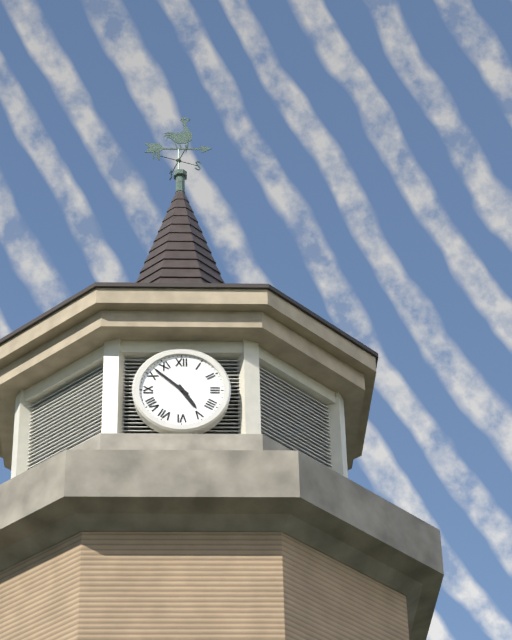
4:52
